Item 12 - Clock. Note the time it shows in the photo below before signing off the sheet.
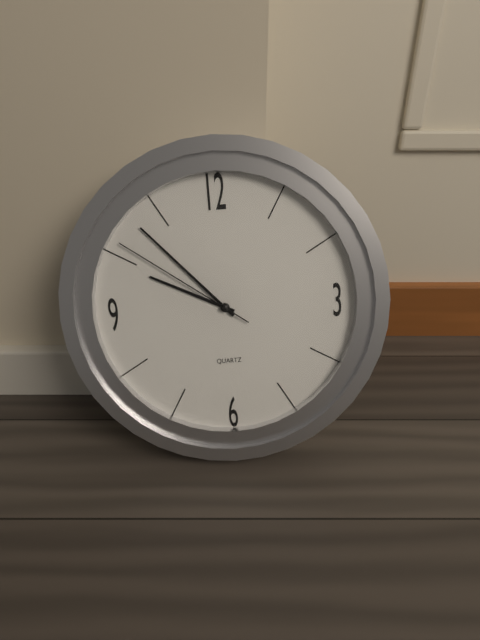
9:53:51
